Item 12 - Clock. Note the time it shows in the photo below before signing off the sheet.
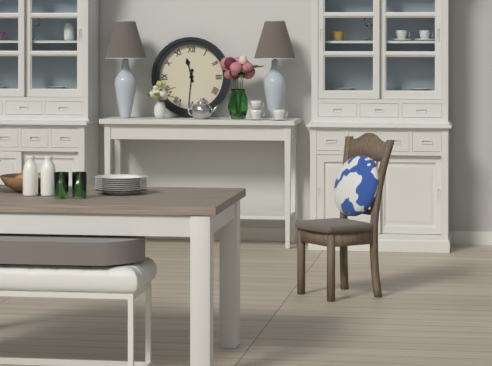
11:31
